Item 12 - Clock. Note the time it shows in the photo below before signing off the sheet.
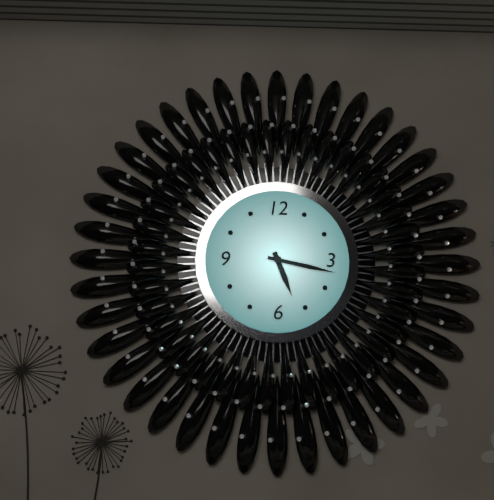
5:17
